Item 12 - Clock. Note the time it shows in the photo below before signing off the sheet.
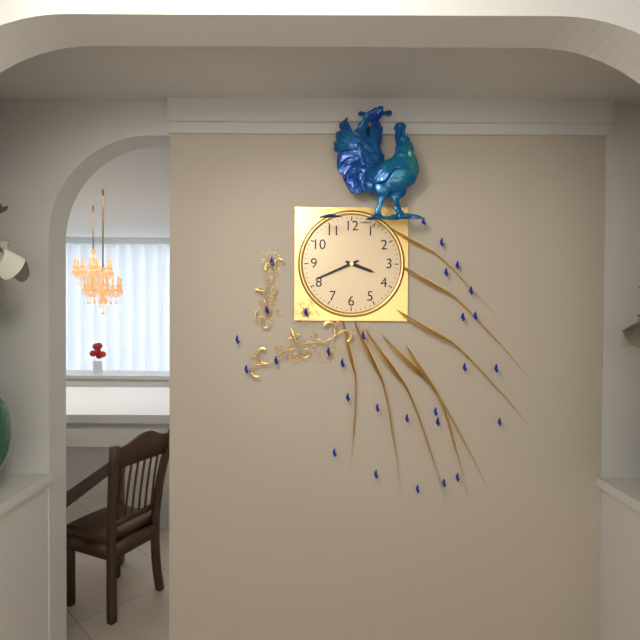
3:41
